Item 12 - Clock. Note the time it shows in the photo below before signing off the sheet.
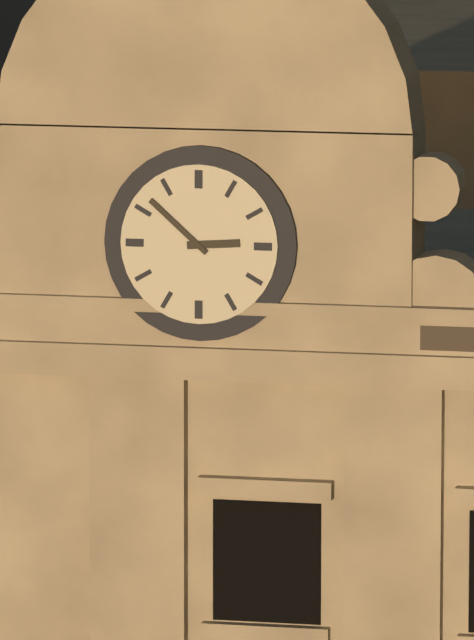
2:52
